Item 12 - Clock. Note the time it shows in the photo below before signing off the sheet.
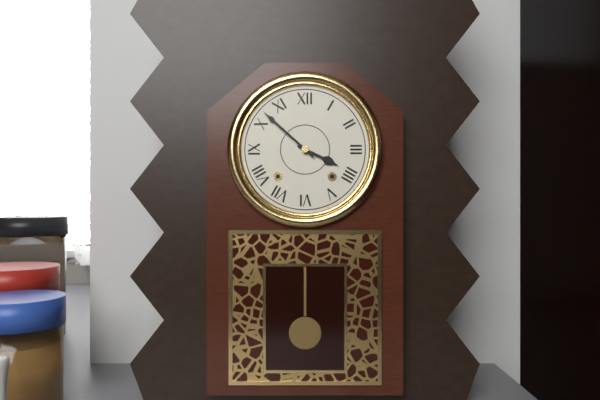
3:52
